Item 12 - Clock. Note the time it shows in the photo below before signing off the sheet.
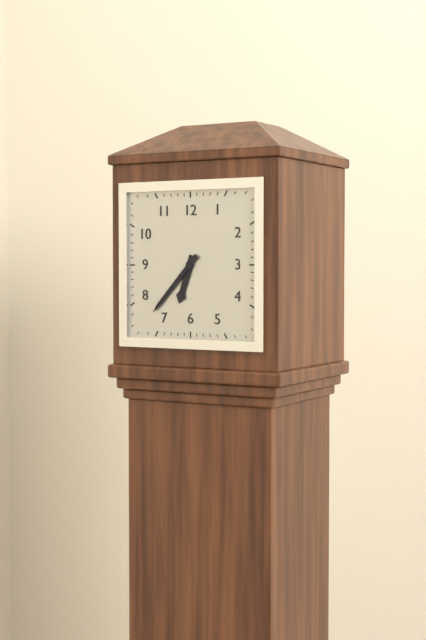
6:37
